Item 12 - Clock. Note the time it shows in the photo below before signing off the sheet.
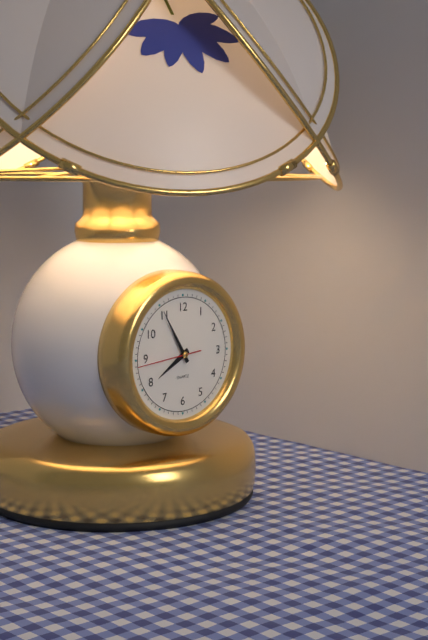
7:55:44
